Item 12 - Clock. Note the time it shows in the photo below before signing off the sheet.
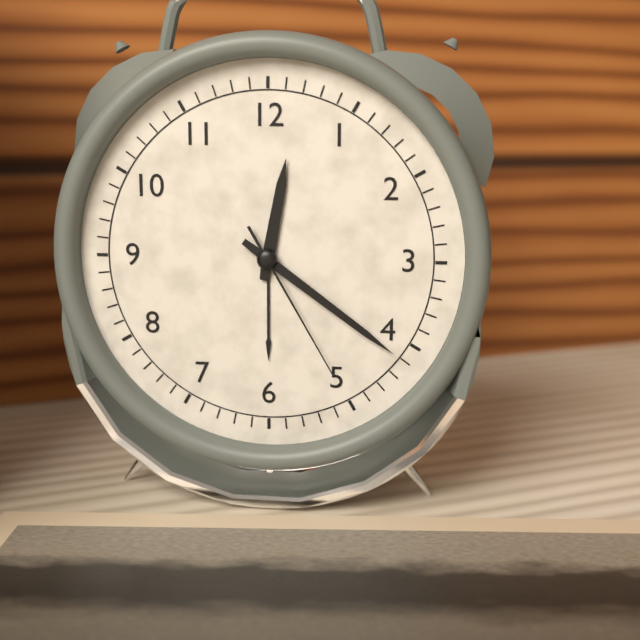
12:21:25
